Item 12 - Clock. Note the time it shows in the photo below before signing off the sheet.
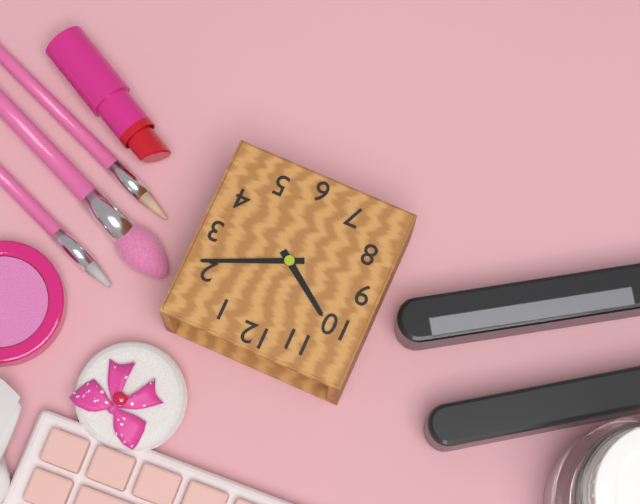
10:11
